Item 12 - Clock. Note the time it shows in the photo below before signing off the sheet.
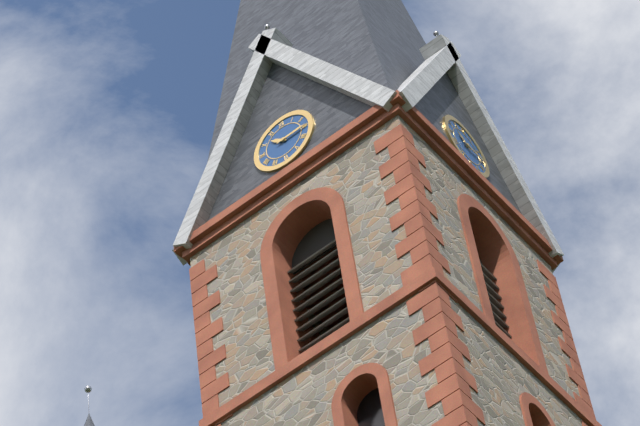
10:15
